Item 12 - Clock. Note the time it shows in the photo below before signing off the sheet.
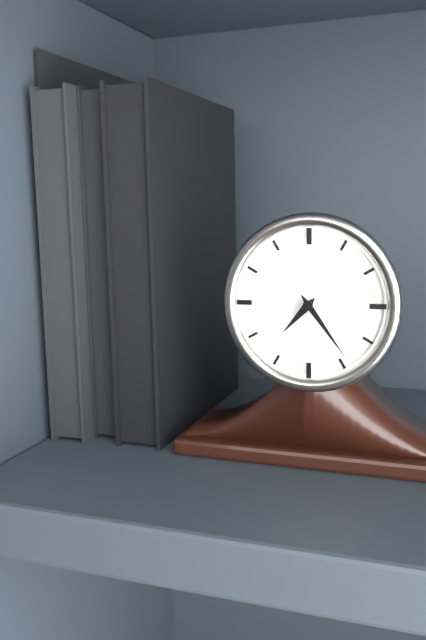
7:24
